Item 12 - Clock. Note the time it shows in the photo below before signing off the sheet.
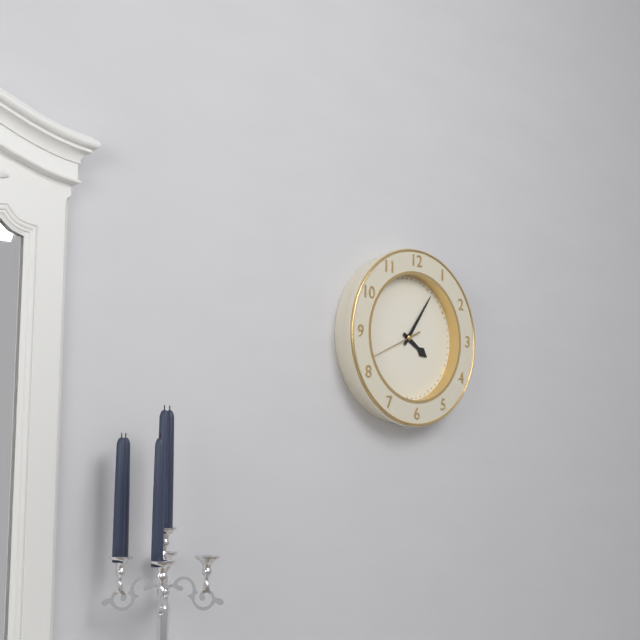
4:06:41
